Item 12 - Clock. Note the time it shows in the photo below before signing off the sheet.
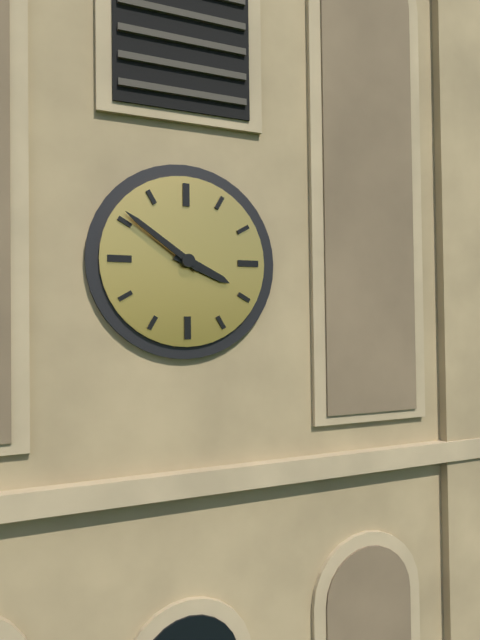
3:51
